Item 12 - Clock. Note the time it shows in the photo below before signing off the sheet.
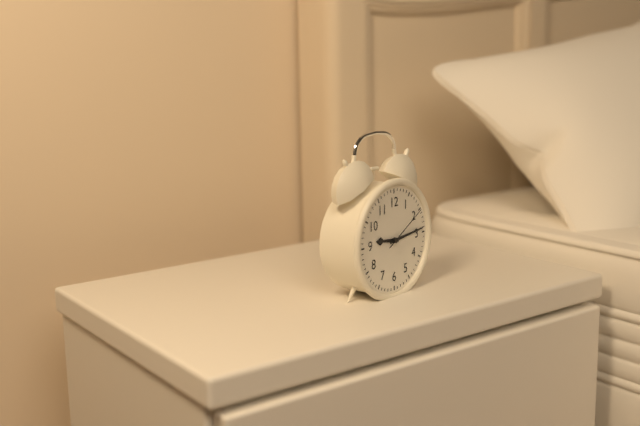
9:14:10
